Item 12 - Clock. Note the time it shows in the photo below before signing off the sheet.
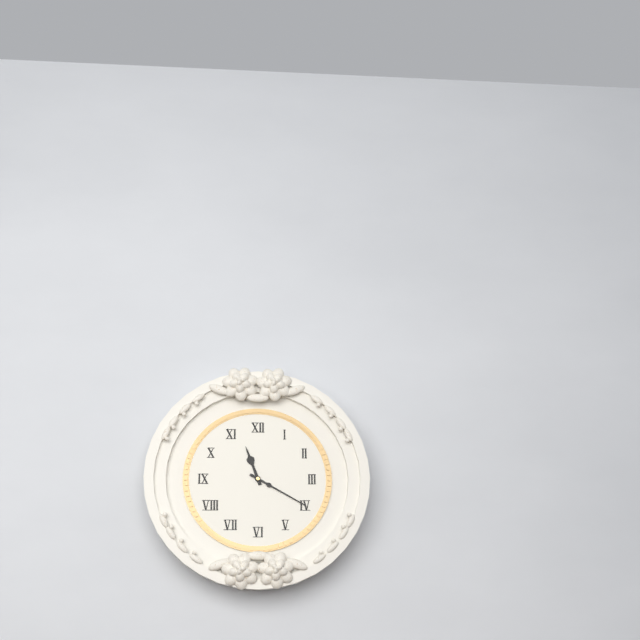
11:20
